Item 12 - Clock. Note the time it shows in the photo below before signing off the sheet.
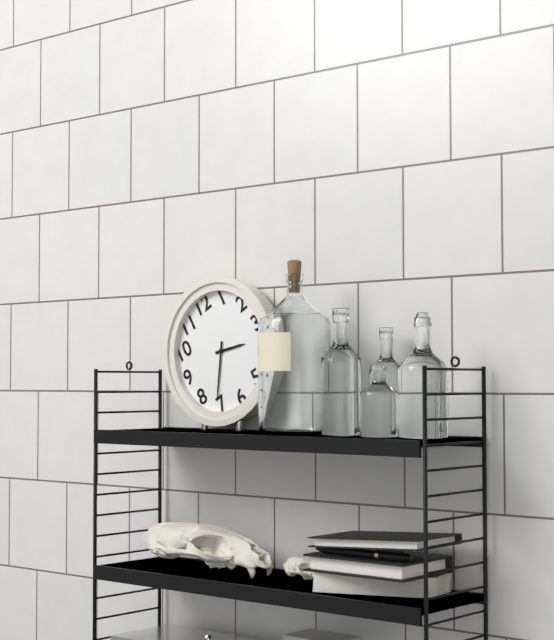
3:36
